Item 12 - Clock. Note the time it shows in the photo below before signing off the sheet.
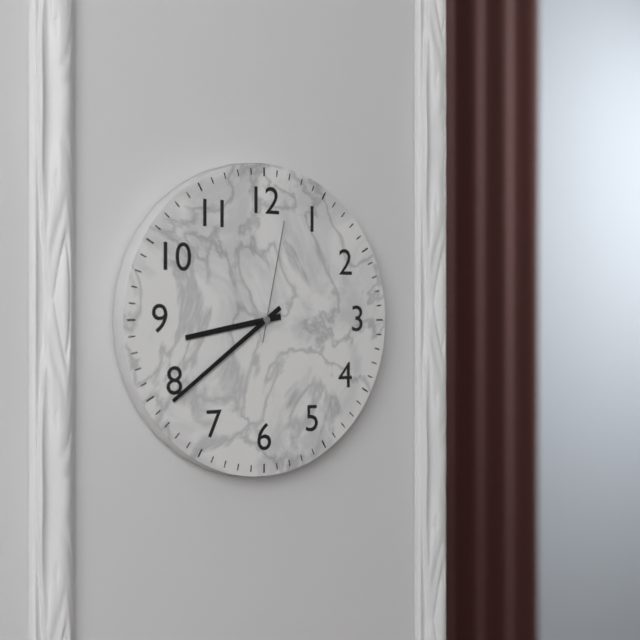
8:39:02
